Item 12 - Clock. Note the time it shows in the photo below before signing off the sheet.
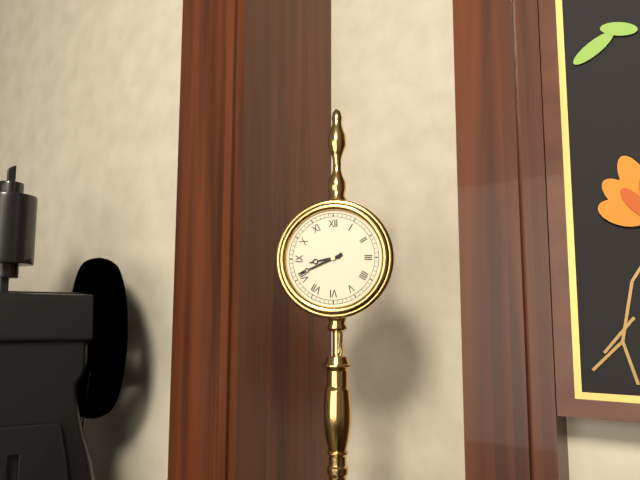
8:41
